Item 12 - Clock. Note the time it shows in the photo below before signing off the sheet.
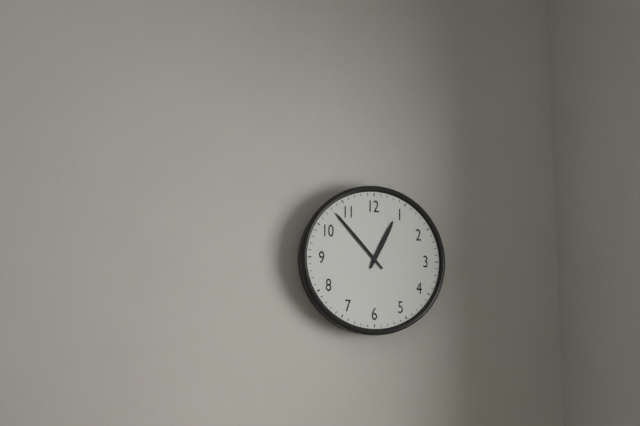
12:53
